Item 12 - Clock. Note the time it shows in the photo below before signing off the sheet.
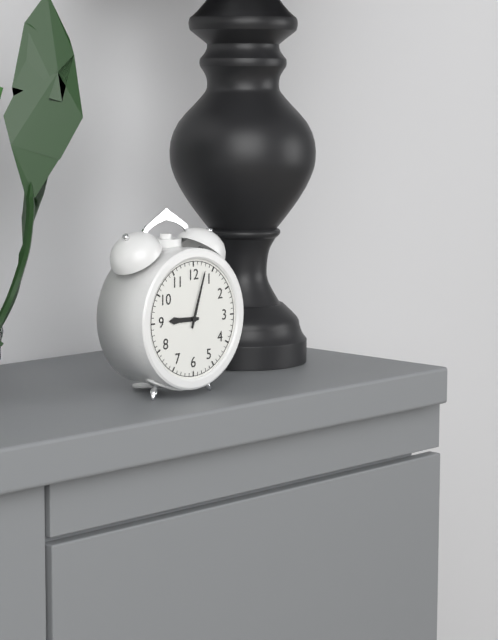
9:03
